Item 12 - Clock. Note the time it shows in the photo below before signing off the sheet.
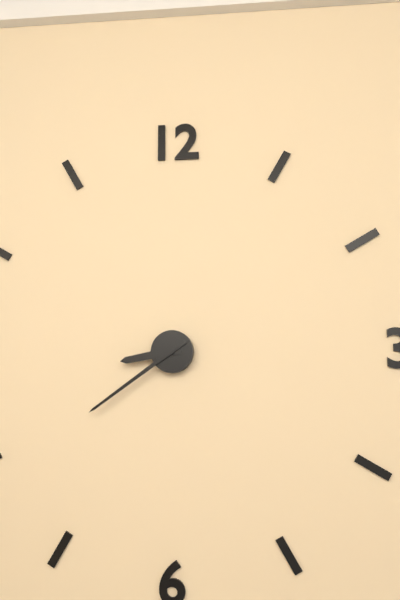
8:39
